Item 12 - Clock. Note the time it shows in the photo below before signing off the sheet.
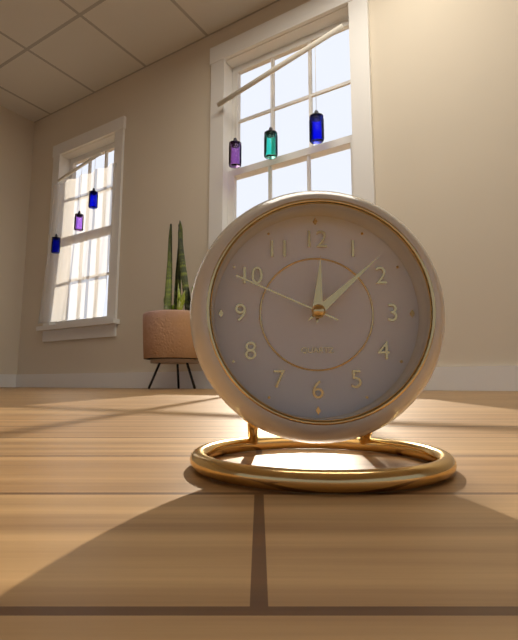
12:08:49
